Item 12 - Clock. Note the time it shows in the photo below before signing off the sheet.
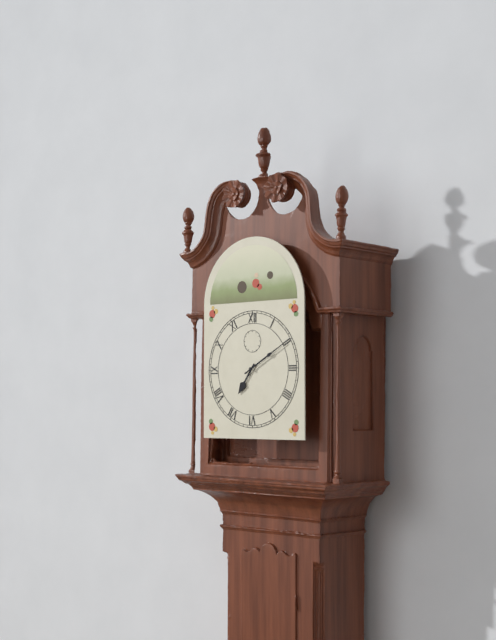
7:10
